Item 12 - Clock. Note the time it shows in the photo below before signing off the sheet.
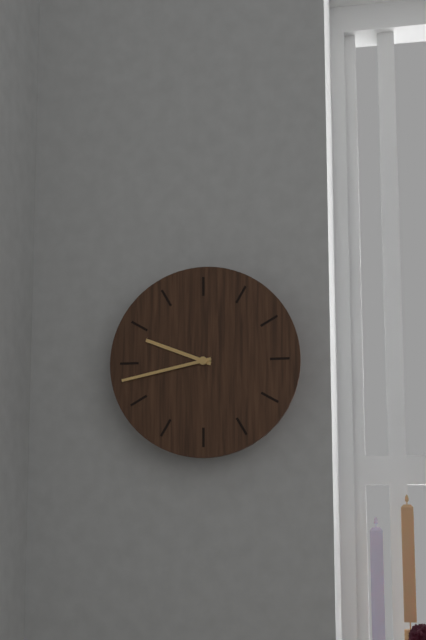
9:43
